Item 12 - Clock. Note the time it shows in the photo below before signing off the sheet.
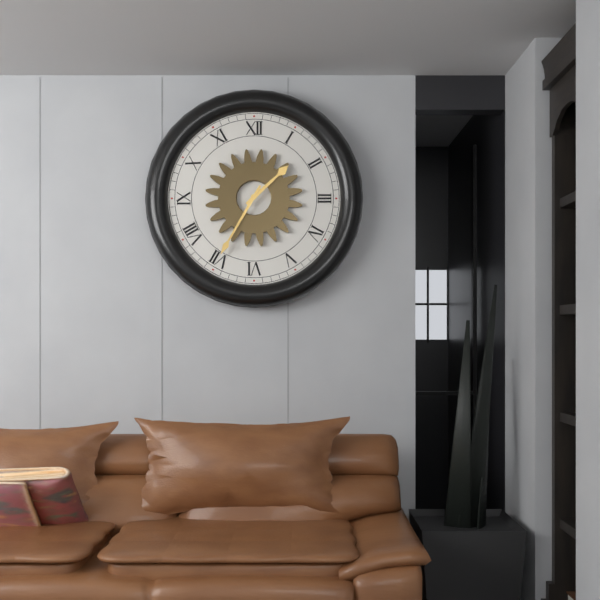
1:35
